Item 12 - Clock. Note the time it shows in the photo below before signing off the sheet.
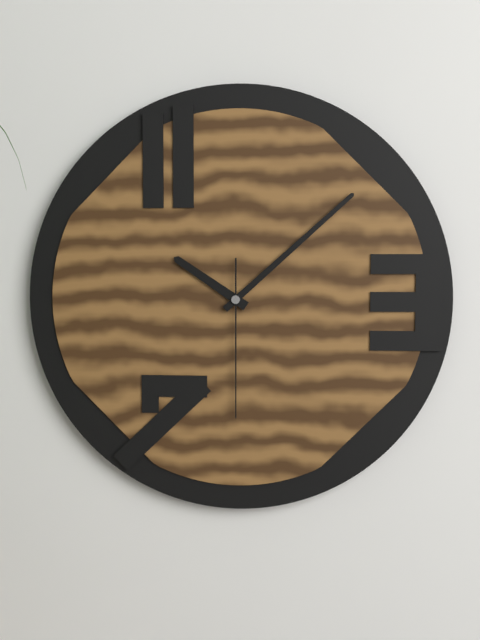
10:08:30
